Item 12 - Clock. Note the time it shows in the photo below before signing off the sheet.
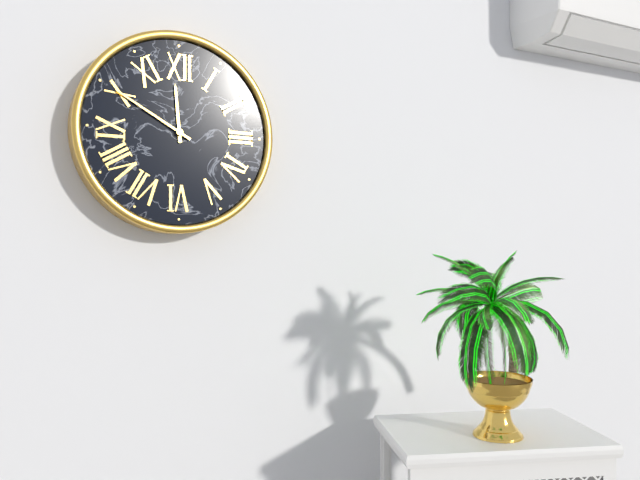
11:50
